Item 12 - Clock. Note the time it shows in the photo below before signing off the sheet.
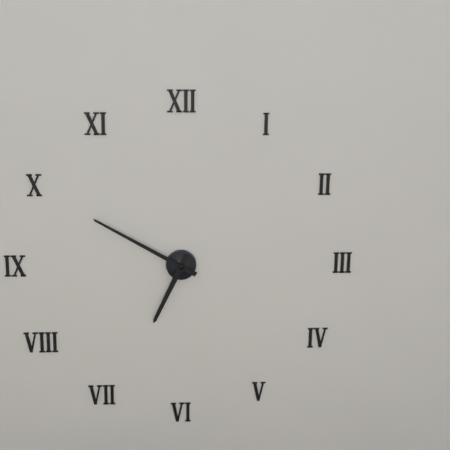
6:50
